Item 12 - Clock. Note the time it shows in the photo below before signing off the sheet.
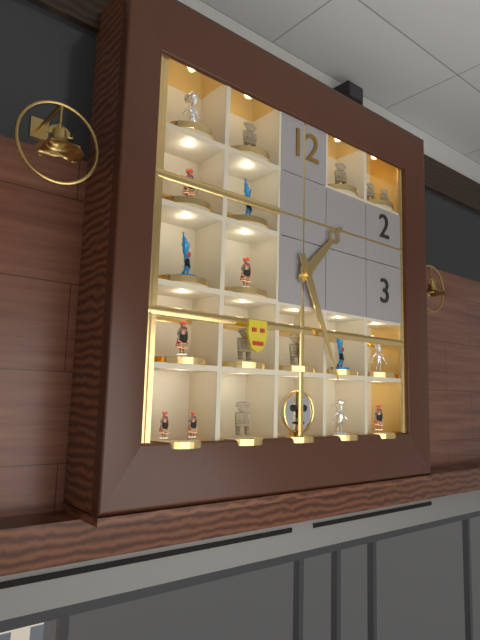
1:26
